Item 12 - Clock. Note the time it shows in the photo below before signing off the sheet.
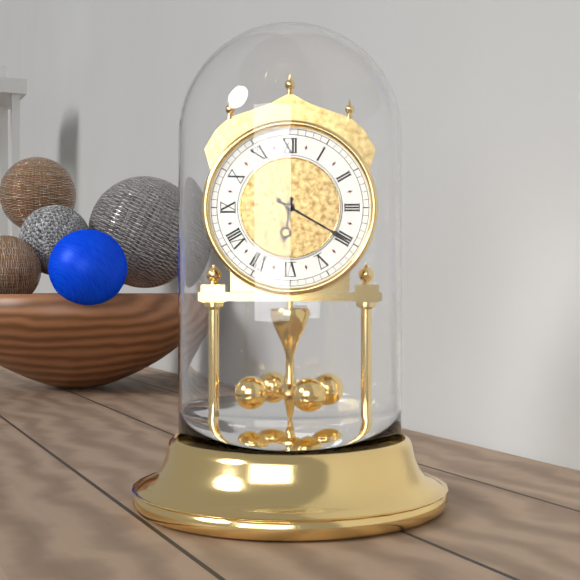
6:20
